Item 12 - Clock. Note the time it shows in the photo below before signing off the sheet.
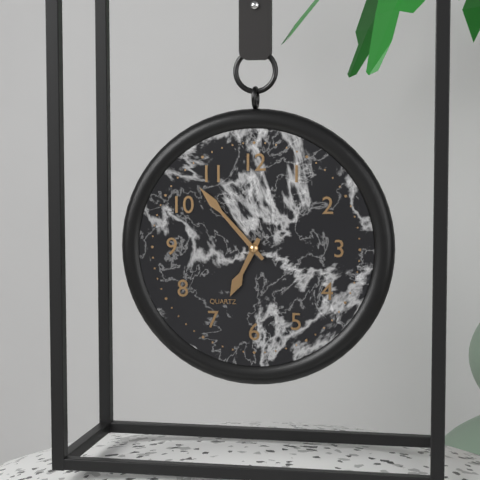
6:53
